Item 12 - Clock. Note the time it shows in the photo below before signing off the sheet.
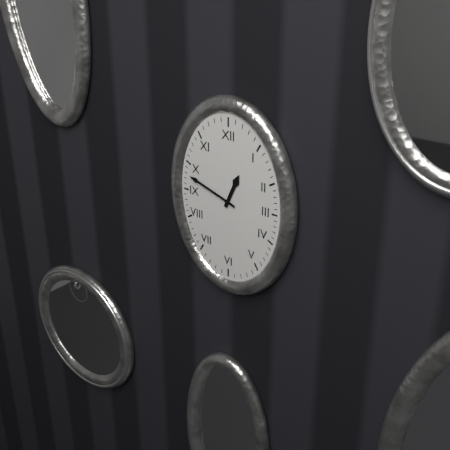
12:48
